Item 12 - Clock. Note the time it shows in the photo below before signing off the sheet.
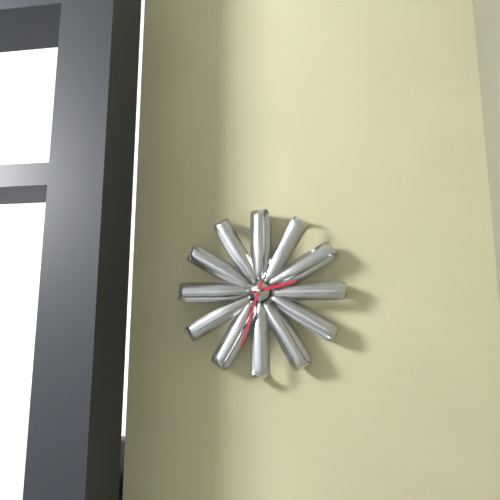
2:33
